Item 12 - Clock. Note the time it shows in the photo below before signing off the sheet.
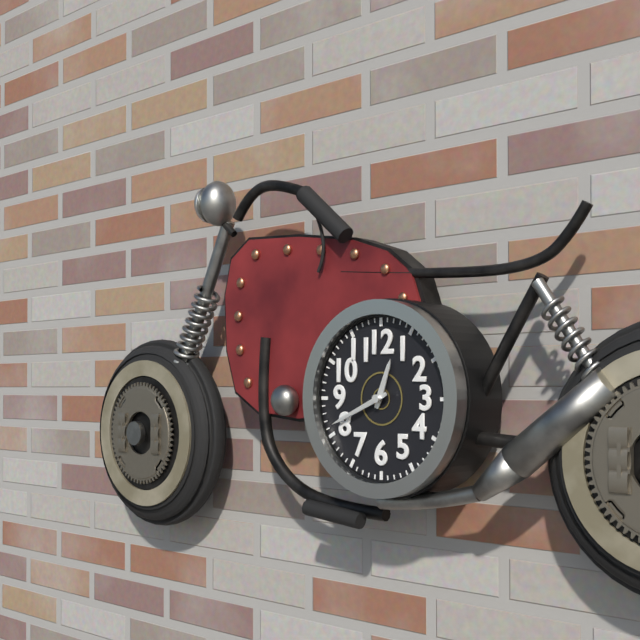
12:41
